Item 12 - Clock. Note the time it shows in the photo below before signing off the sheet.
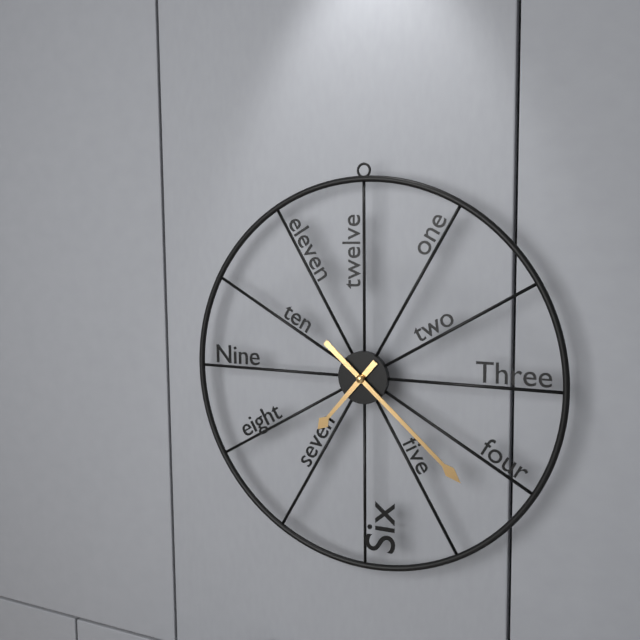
7:22
